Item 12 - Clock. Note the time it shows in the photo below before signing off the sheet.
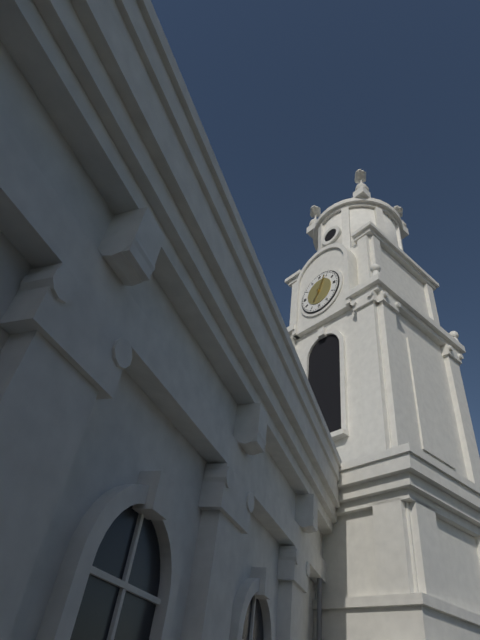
7:04
